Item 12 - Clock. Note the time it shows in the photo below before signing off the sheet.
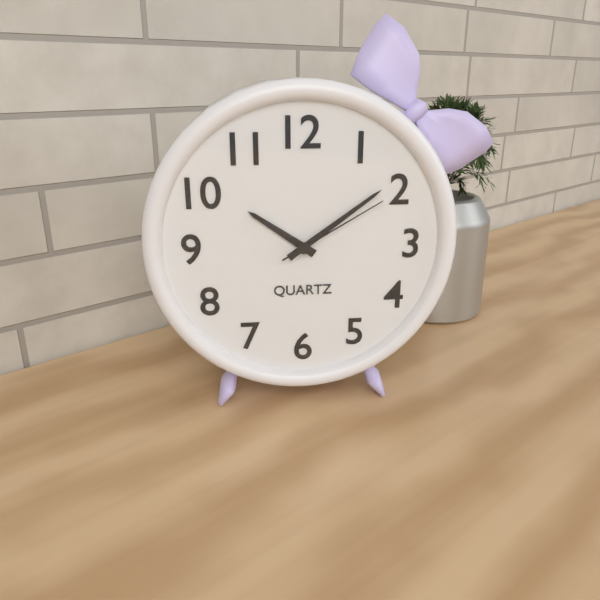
10:09:10
